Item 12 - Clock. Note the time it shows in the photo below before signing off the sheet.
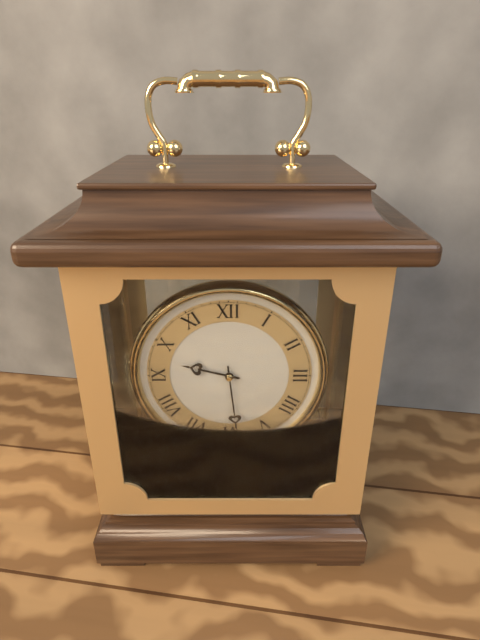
9:29
